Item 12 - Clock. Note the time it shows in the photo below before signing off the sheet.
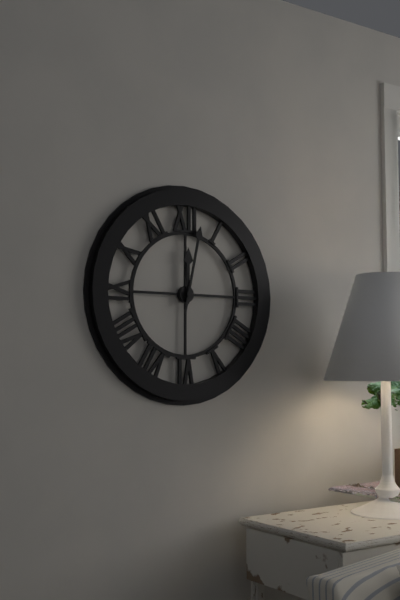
12:02
